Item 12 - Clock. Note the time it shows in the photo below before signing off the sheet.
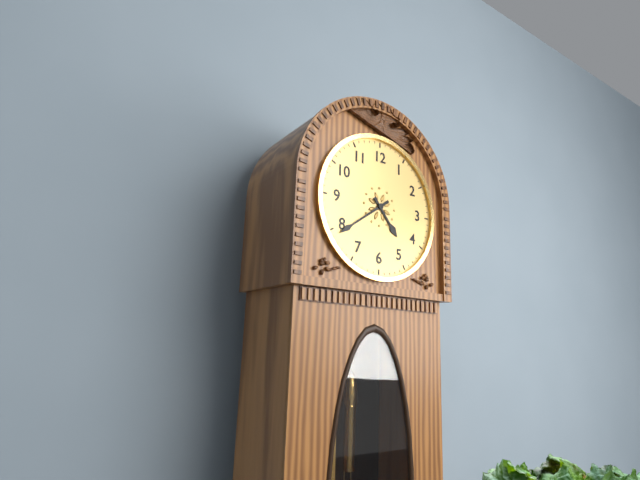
4:39
